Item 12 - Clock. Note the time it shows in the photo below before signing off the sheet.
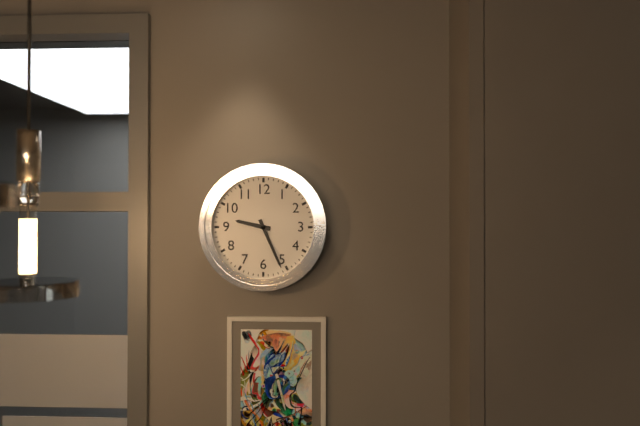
9:26
